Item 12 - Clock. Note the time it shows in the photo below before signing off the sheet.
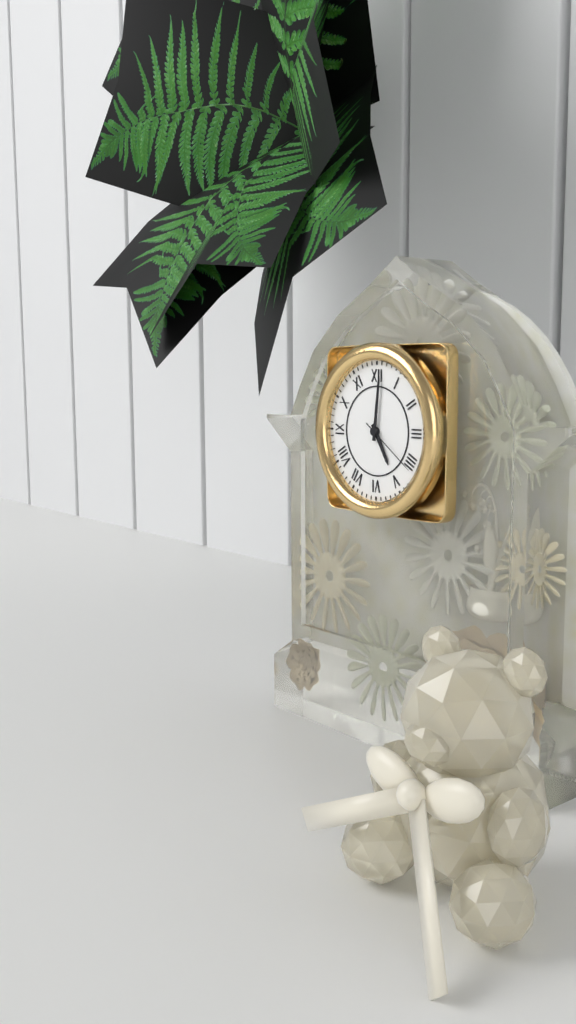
5:01:21
